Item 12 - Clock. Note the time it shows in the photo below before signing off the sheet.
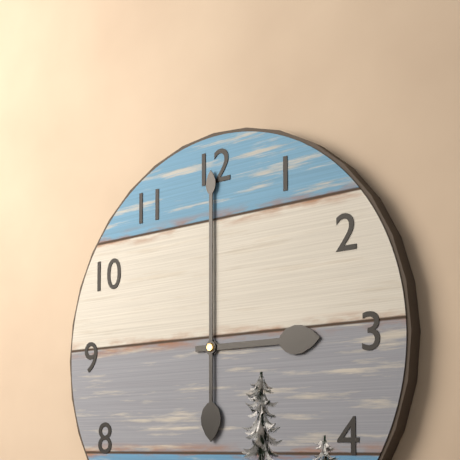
3:00
